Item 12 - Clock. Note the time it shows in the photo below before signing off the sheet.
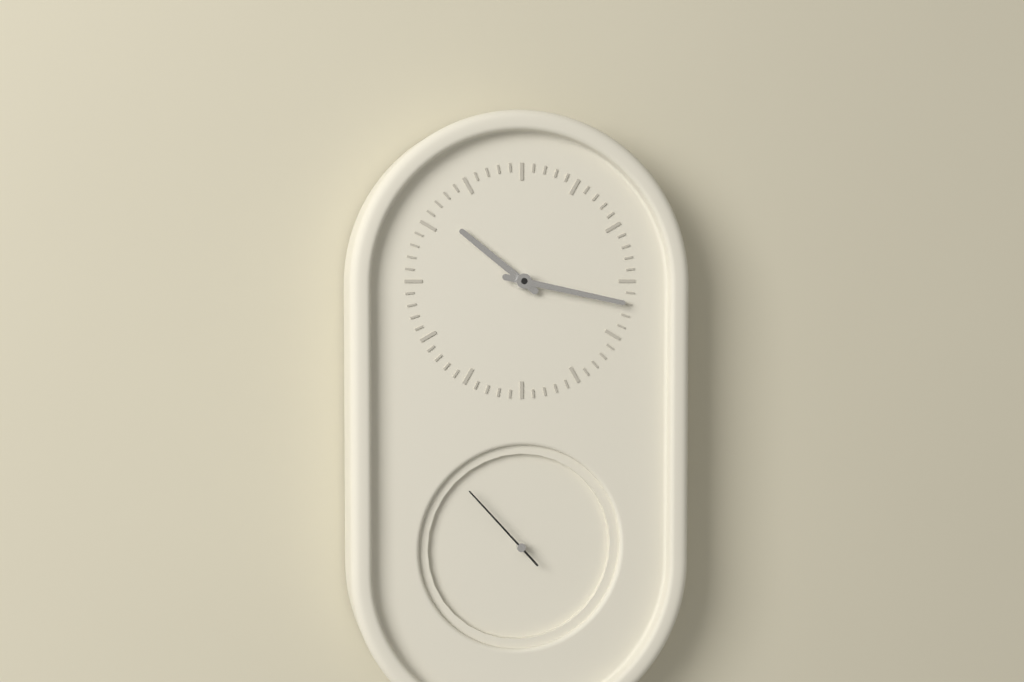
10:17:53
